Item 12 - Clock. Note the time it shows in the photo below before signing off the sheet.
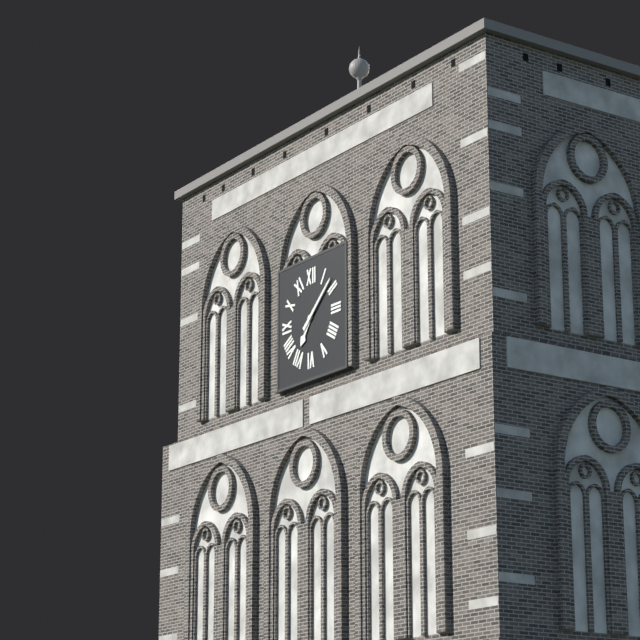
7:08
